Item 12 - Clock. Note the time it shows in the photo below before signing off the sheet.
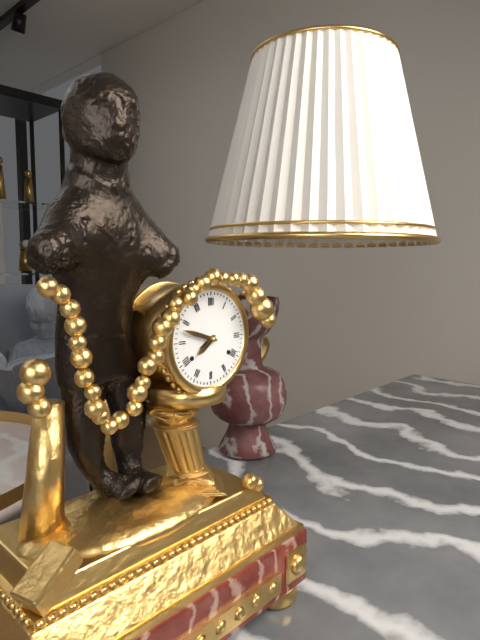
7:48
